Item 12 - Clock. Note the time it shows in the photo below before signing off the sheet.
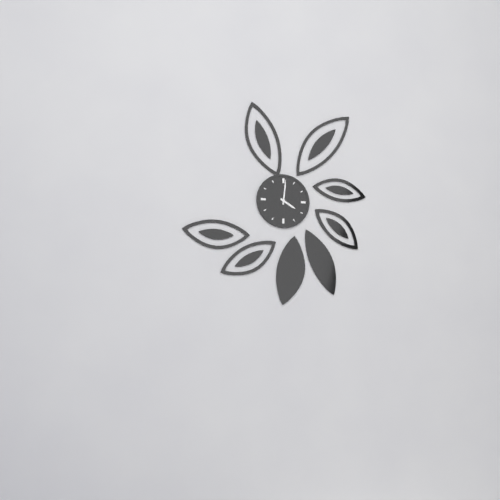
4:01
